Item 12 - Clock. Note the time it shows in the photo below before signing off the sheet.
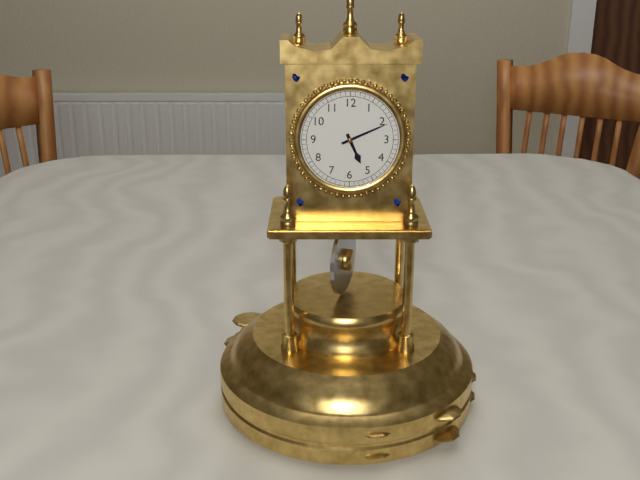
5:11
